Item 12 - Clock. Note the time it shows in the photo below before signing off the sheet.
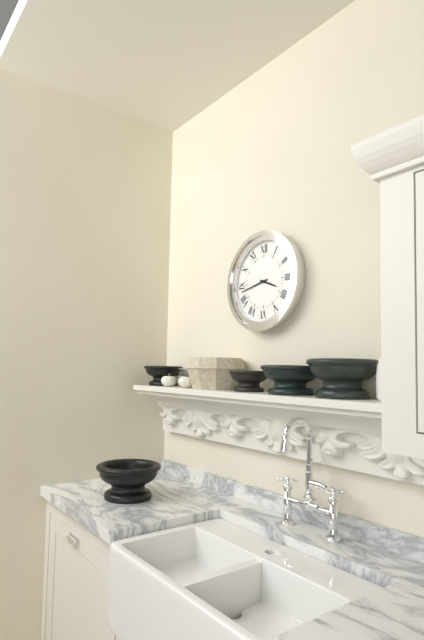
3:43
